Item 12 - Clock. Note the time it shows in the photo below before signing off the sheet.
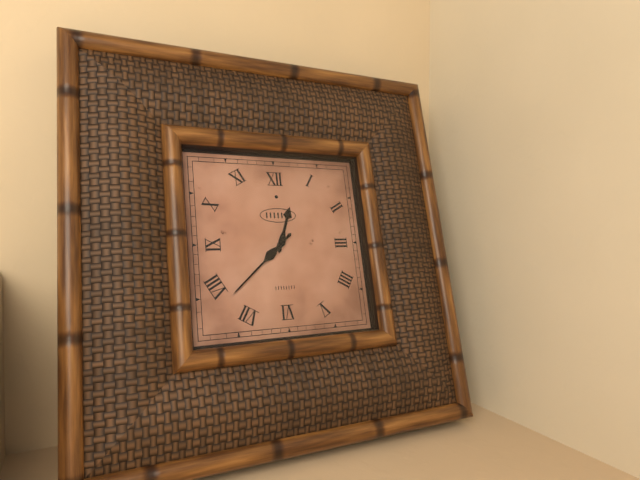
12:38
